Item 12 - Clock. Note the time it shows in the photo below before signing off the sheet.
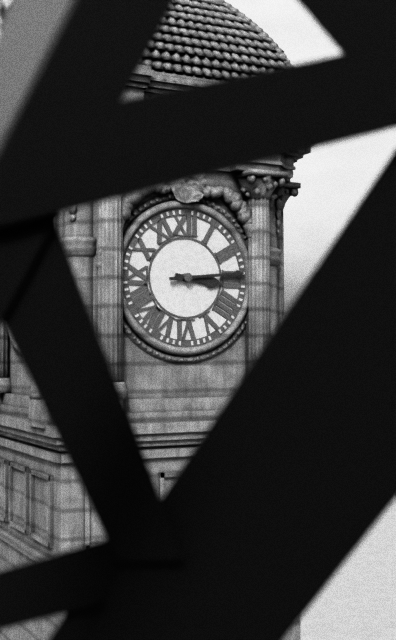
3:14
